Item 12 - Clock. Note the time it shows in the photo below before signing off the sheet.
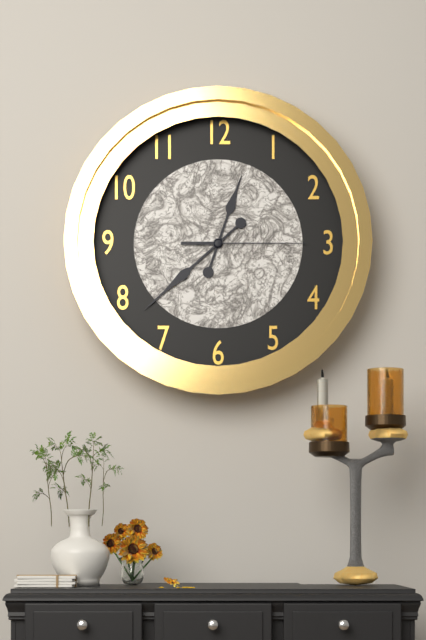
12:38:15
